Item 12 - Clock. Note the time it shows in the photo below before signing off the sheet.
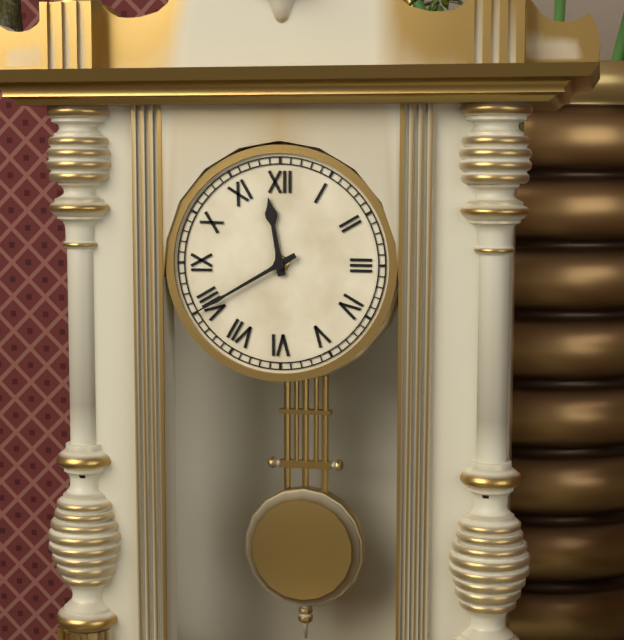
11:40
